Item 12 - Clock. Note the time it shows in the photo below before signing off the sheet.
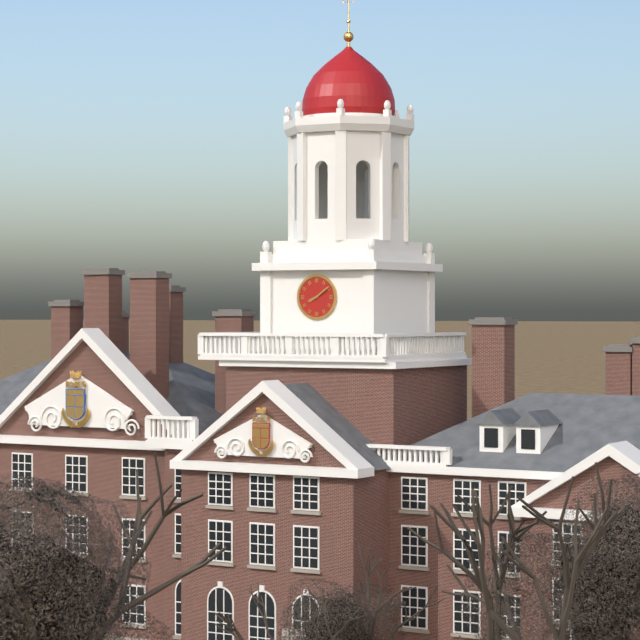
8:09
